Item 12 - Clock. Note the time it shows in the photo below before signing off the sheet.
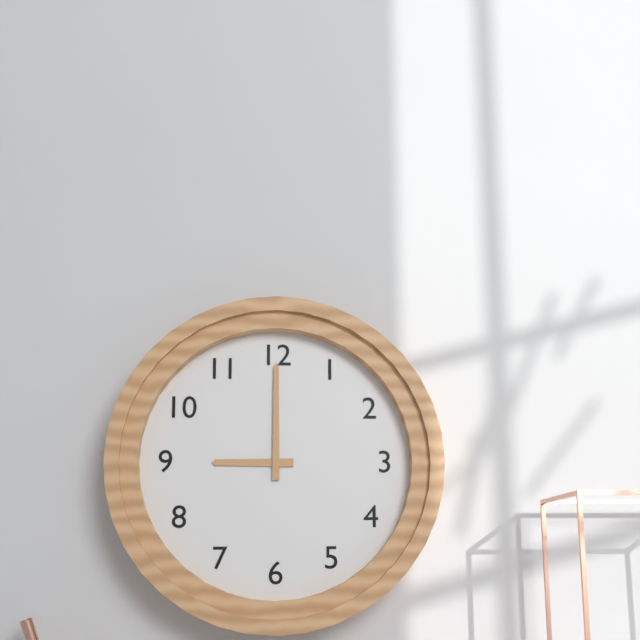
9:00
